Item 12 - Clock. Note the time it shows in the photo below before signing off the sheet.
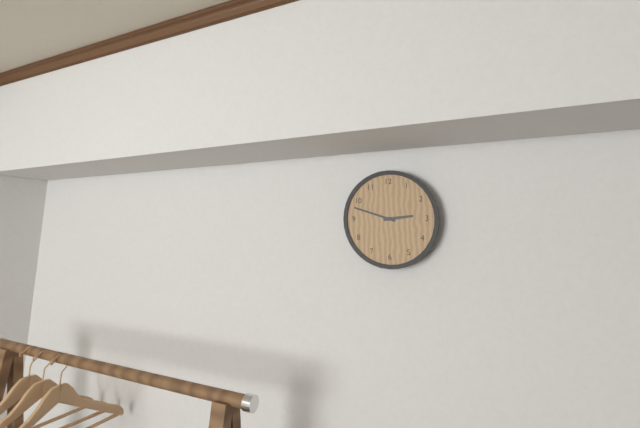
2:48
